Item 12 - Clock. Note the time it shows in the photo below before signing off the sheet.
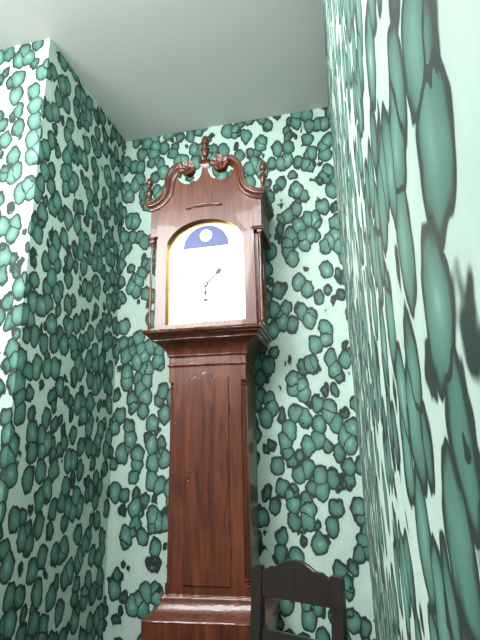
1:31
